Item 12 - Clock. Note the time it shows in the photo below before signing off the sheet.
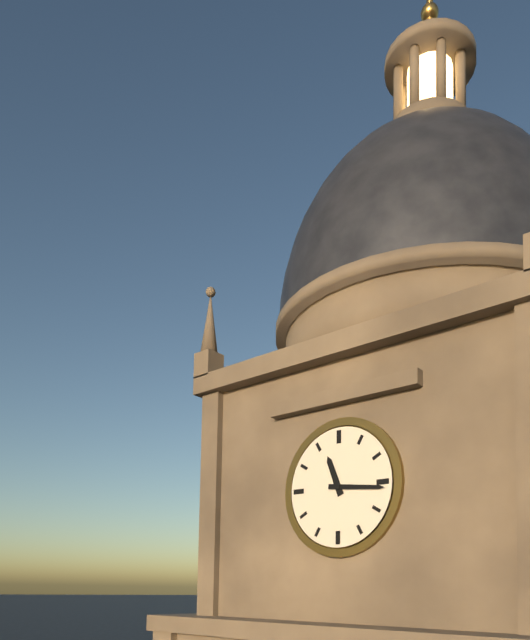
11:16
